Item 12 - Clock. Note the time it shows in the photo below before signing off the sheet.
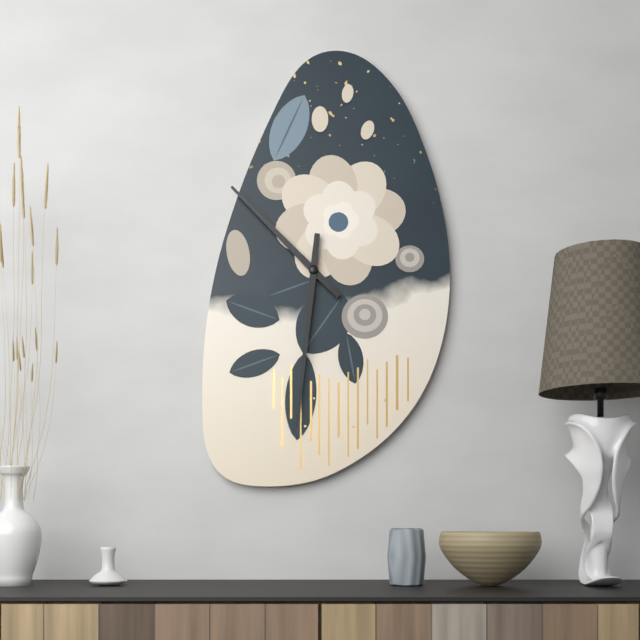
10:31
